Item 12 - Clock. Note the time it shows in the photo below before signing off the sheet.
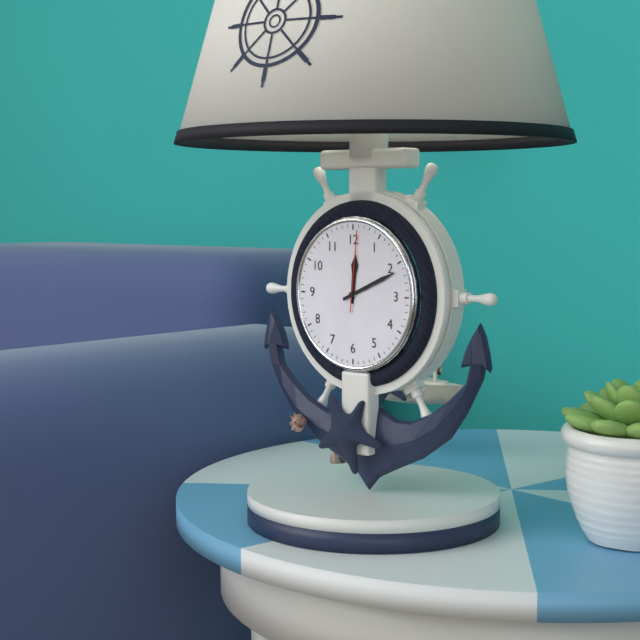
12:11:01
